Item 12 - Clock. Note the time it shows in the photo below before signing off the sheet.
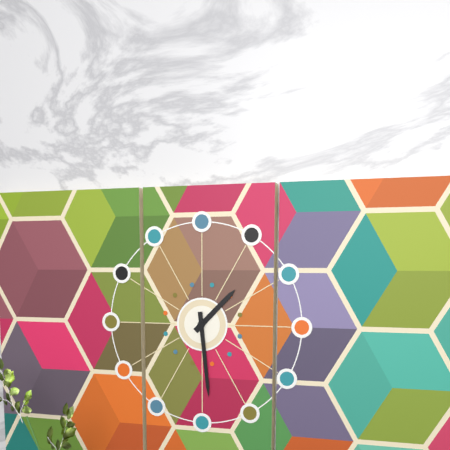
1:29
